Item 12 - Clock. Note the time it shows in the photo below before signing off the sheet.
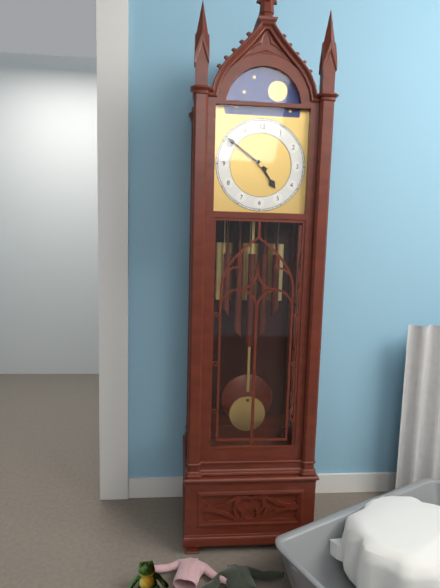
4:51
